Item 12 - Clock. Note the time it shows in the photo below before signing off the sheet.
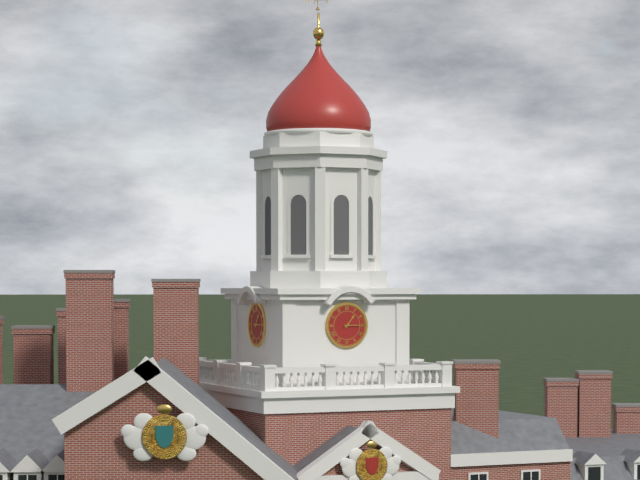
1:15
